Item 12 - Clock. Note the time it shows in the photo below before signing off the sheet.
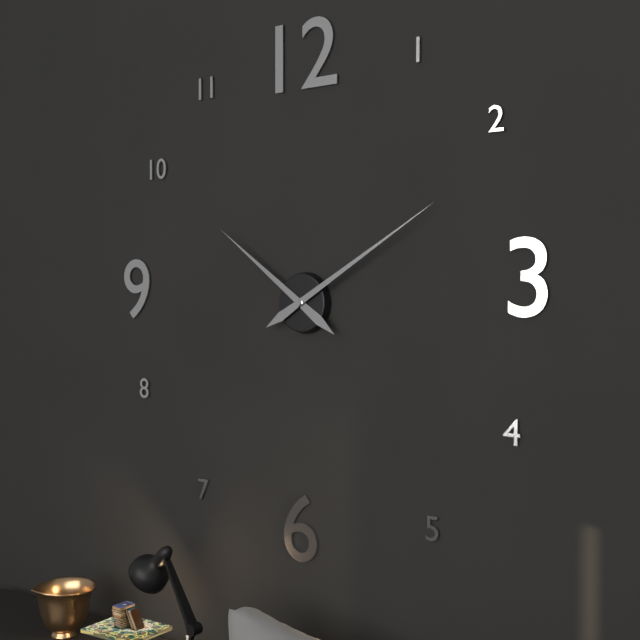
10:10
